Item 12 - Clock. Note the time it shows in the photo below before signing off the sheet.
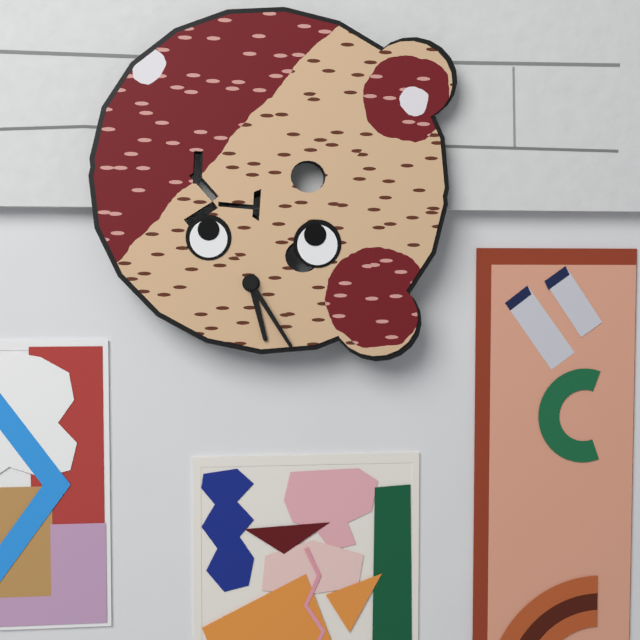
5:24
